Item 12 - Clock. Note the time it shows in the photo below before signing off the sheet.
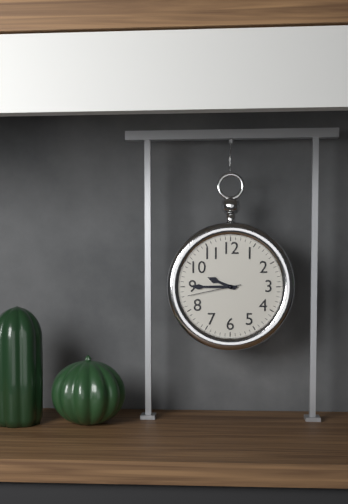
9:45:43
